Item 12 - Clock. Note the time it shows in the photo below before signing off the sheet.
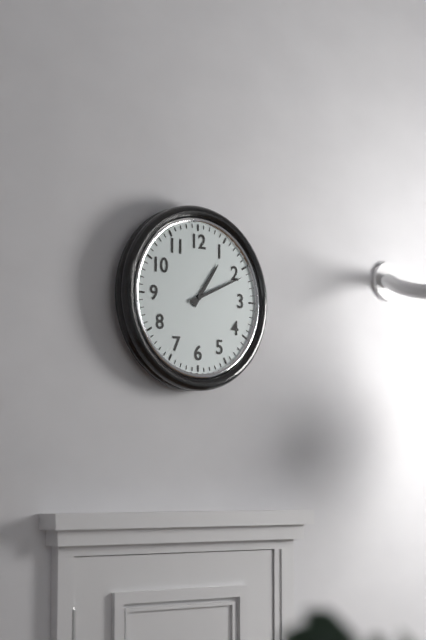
1:11
